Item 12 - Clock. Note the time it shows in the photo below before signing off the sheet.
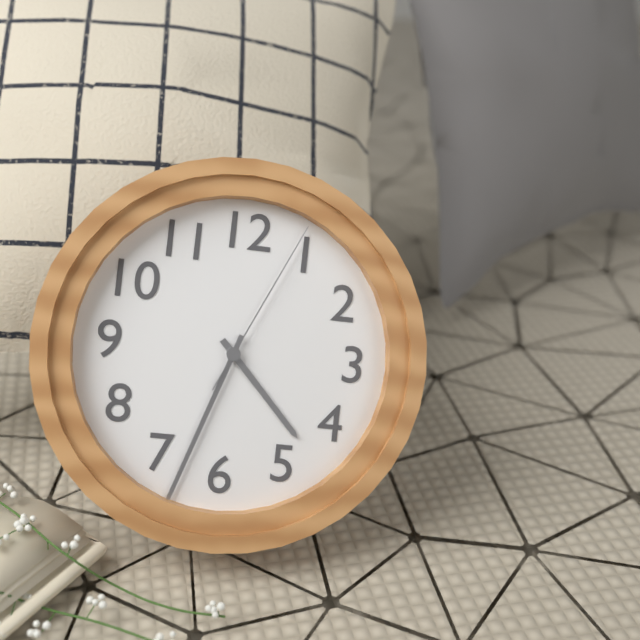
4:33:04
